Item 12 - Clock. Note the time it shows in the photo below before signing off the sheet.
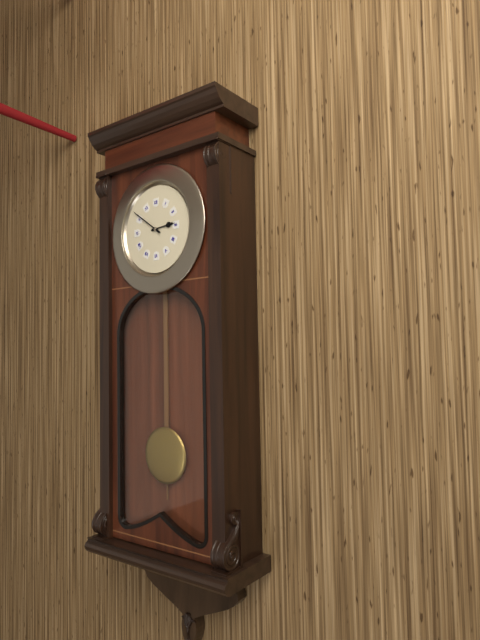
2:51
